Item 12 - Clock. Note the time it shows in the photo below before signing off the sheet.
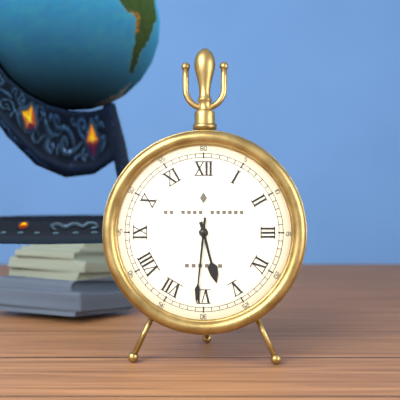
5:31
